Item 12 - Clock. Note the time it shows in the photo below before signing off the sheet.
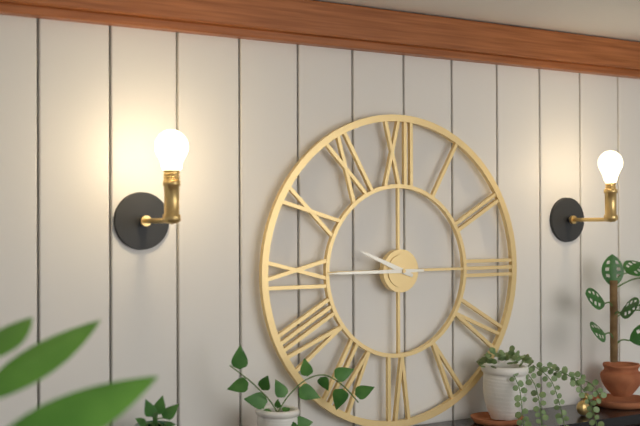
9:45
